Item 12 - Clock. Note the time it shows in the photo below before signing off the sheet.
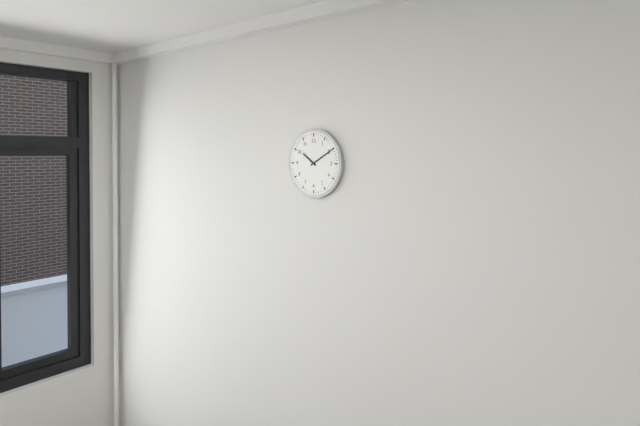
10:10
